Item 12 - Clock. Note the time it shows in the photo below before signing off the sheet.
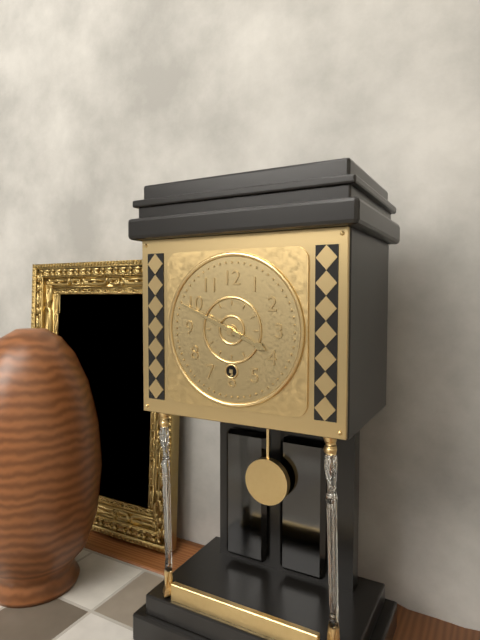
3:49
